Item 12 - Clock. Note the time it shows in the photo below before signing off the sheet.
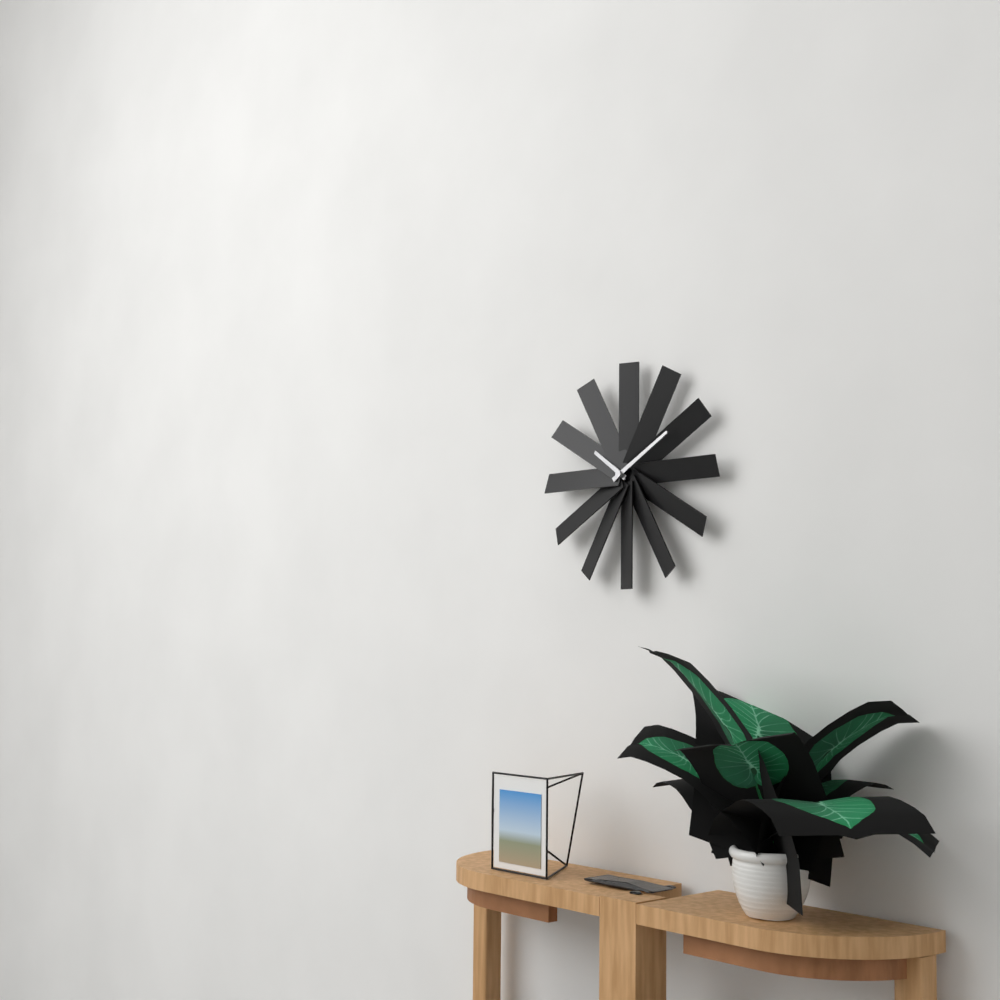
10:10
